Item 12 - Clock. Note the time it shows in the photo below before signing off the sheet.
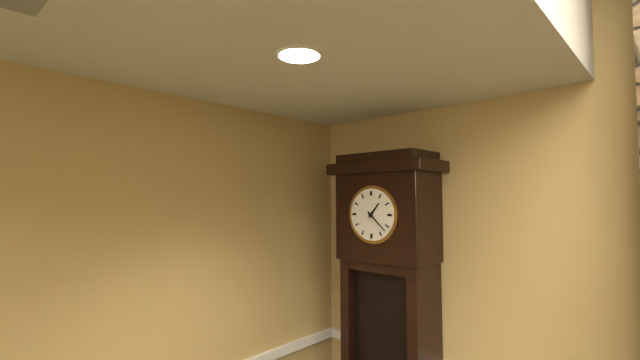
1:22
